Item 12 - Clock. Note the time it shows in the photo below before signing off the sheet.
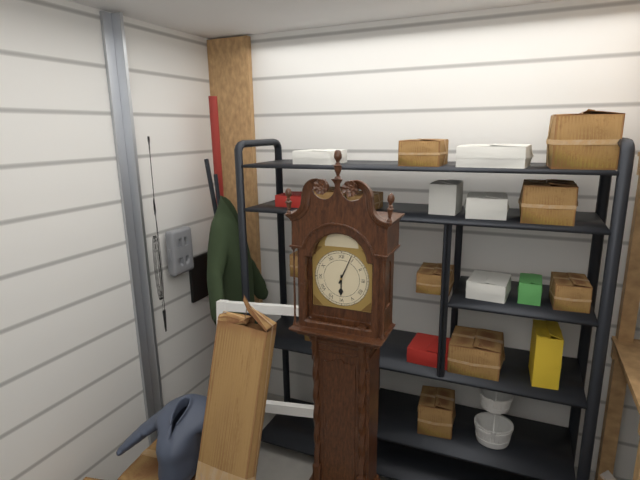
6:04
